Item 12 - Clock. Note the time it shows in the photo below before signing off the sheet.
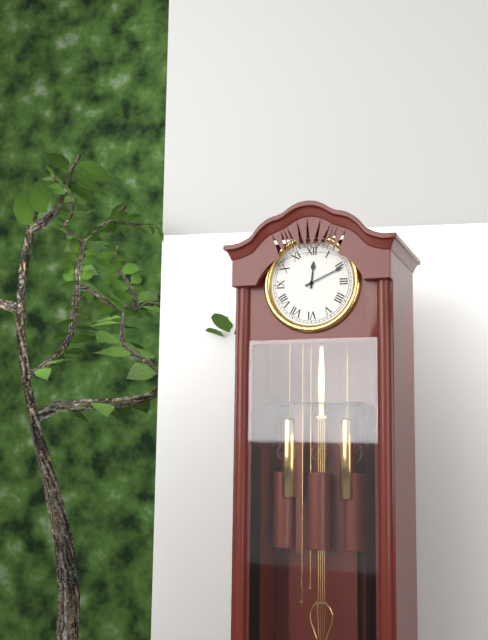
12:11
